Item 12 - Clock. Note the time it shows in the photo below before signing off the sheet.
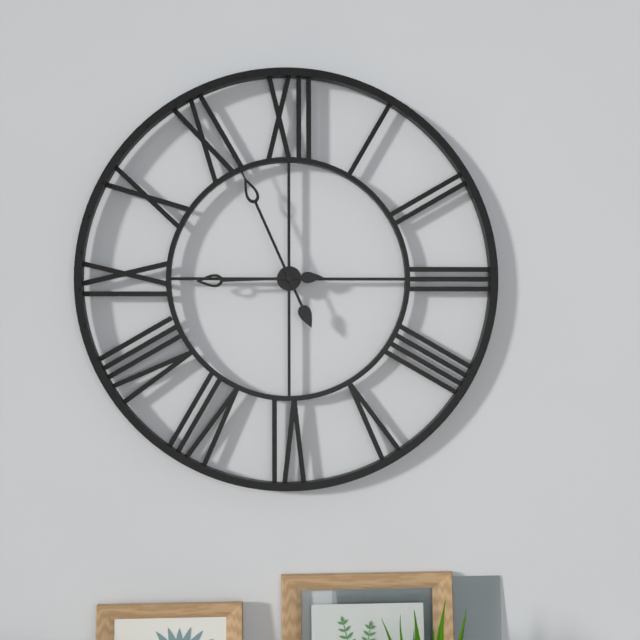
8:56
